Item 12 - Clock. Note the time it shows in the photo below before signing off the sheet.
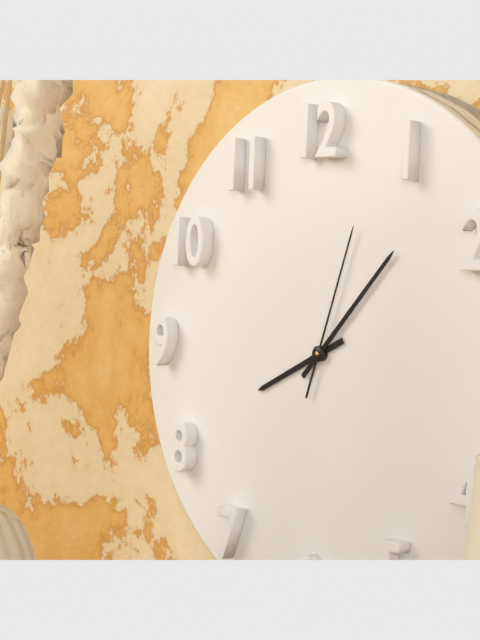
8:07:03
